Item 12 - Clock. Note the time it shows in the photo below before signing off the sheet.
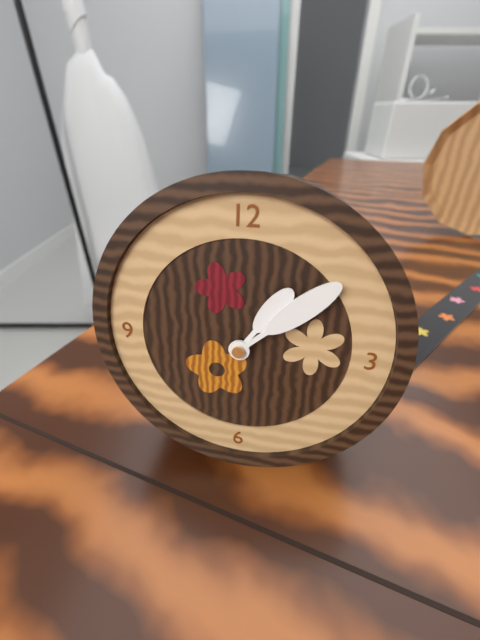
1:08
